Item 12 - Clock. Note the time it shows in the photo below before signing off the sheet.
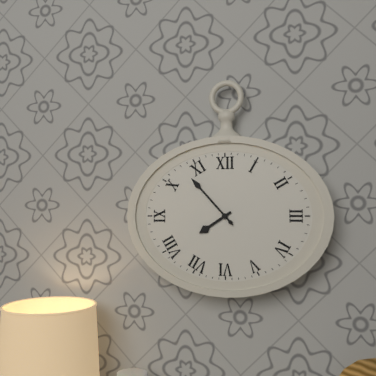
7:53
